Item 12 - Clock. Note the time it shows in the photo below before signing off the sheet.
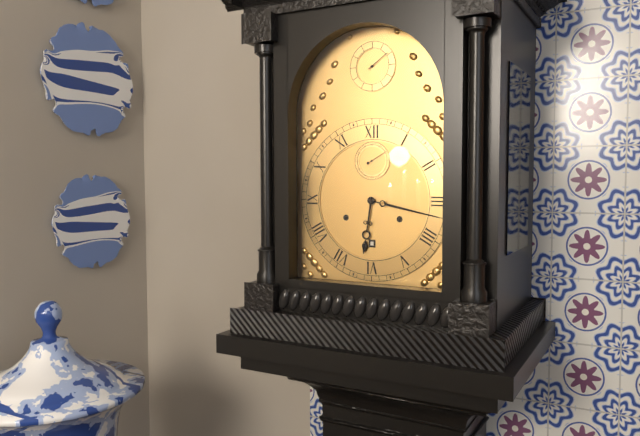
6:17
